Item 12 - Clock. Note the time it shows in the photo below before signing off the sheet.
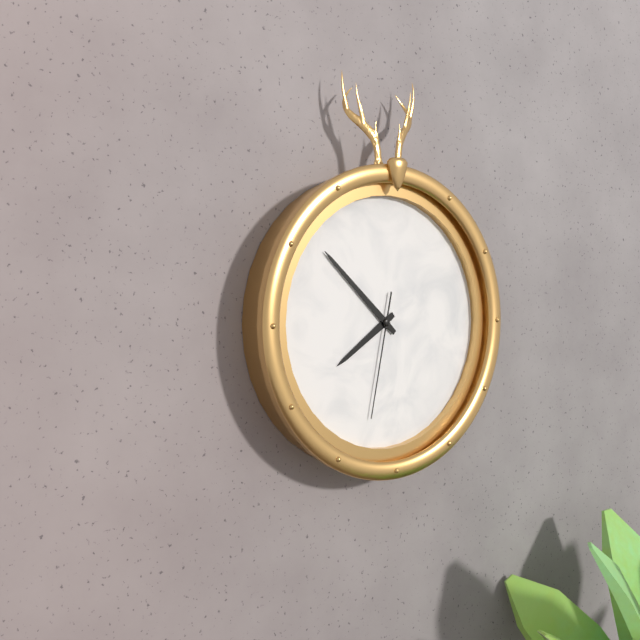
7:52:32
